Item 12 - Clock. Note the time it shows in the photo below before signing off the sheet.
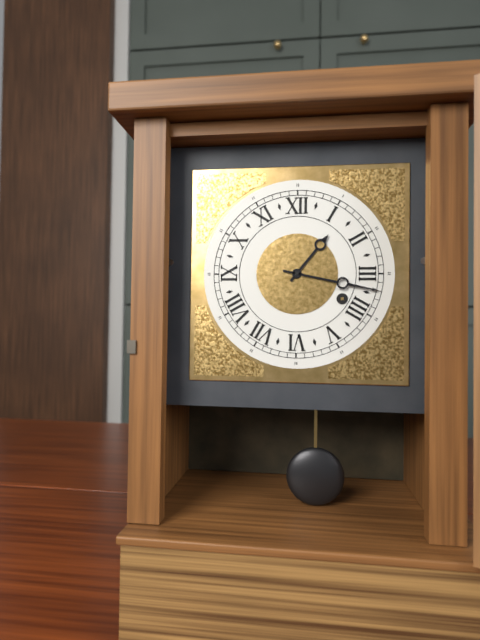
1:17
